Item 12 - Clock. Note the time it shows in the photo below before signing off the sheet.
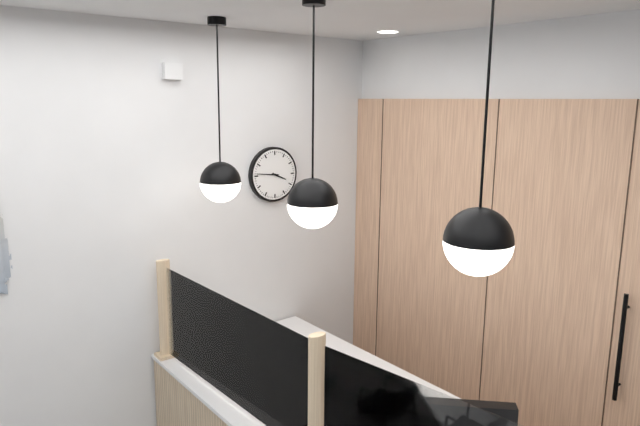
3:46
